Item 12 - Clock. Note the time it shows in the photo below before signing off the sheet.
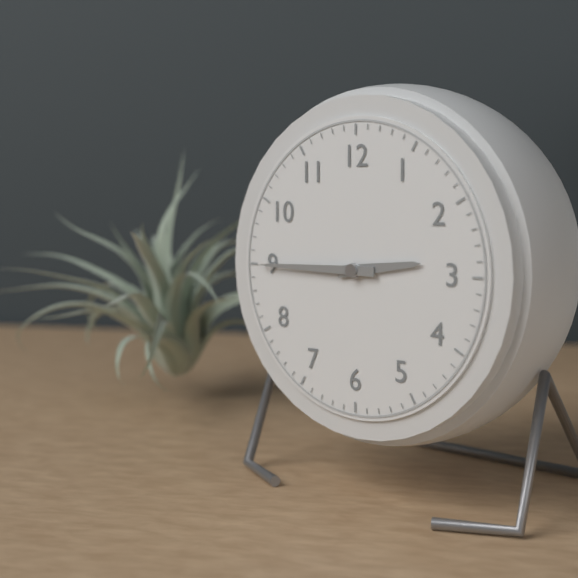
2:45
